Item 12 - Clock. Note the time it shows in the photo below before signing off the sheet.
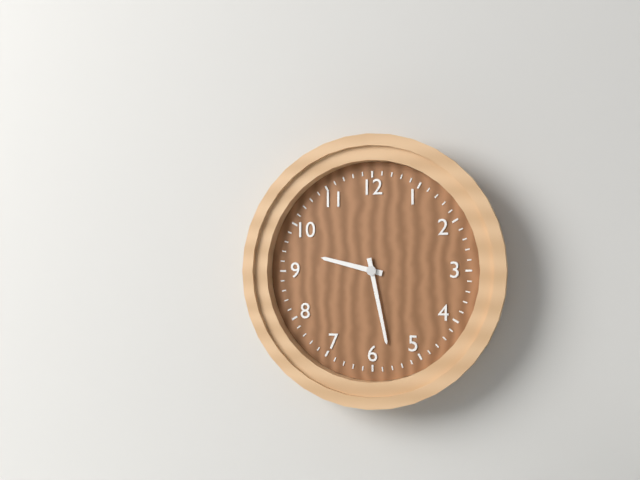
9:28
